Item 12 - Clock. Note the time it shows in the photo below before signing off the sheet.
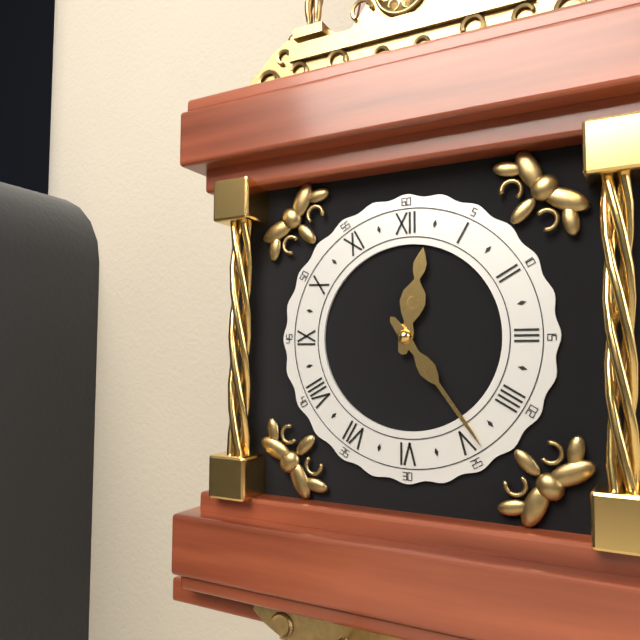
12:24
